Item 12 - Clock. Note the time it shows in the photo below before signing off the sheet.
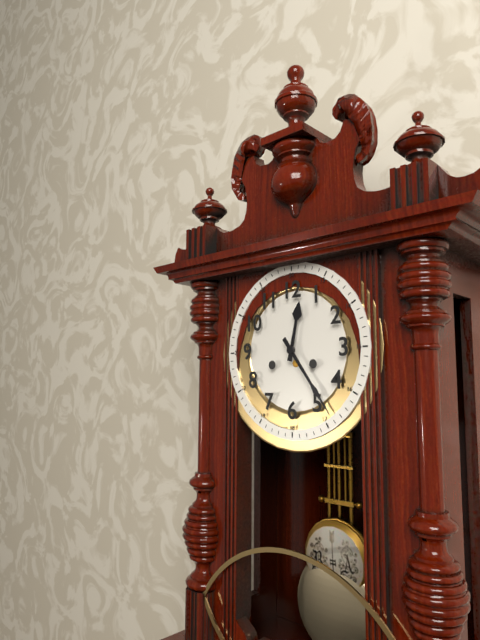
12:24
